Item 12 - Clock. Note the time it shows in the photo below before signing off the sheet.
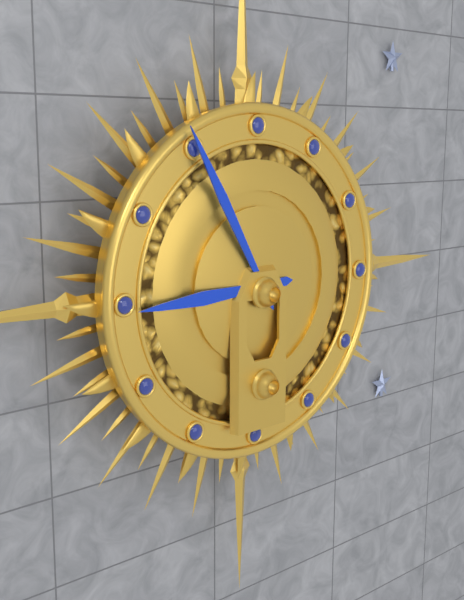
8:55
